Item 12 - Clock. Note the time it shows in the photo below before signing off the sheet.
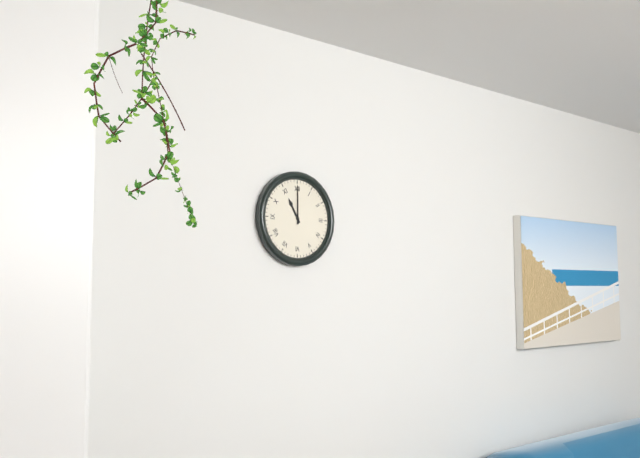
11:00
